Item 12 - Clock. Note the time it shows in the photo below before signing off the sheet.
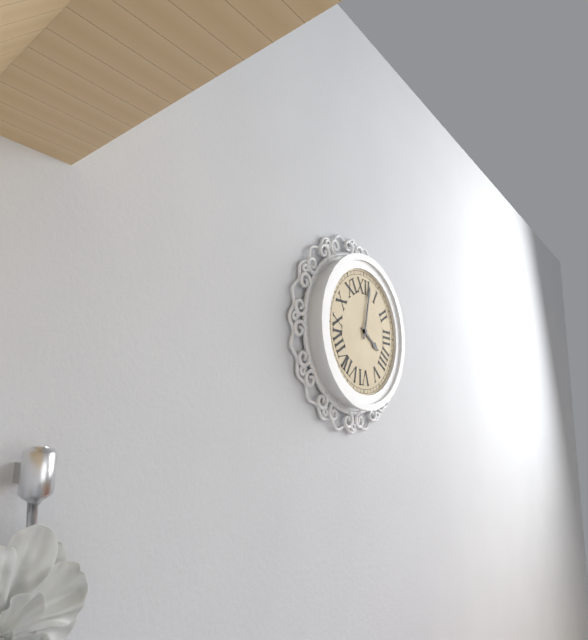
4:02
